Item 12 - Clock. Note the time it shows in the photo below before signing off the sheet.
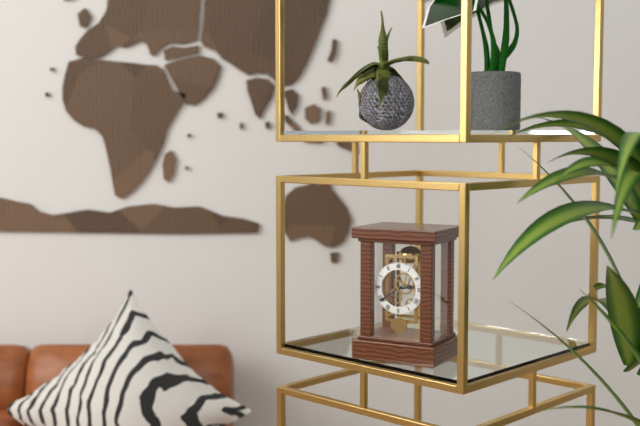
2:39
